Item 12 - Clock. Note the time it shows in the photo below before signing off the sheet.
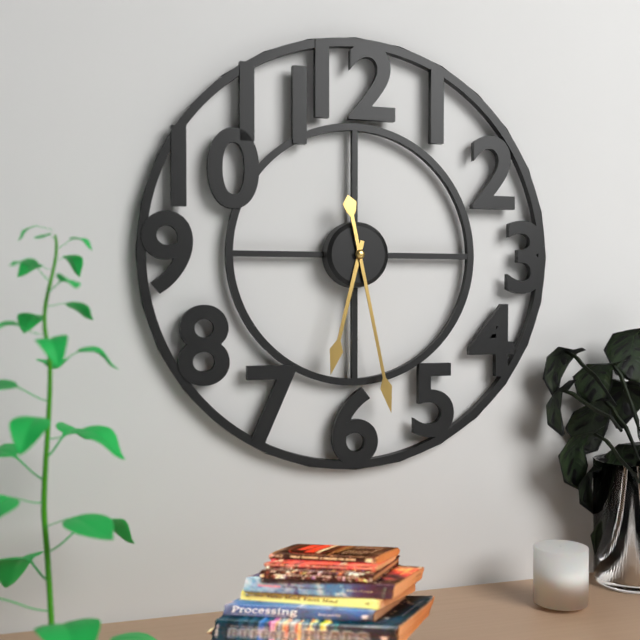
6:28
